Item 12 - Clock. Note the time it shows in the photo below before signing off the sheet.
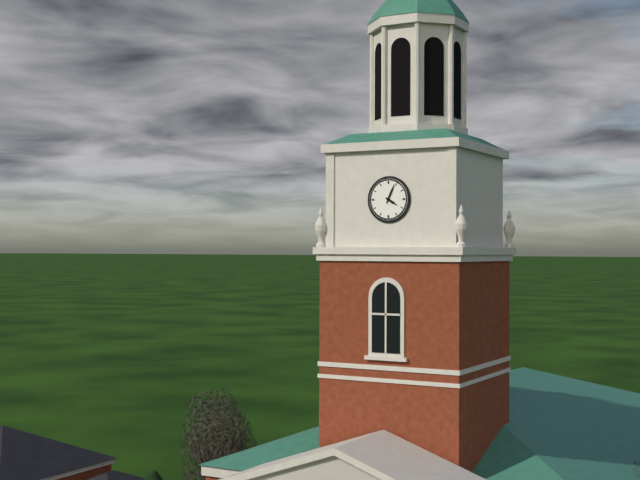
4:04
